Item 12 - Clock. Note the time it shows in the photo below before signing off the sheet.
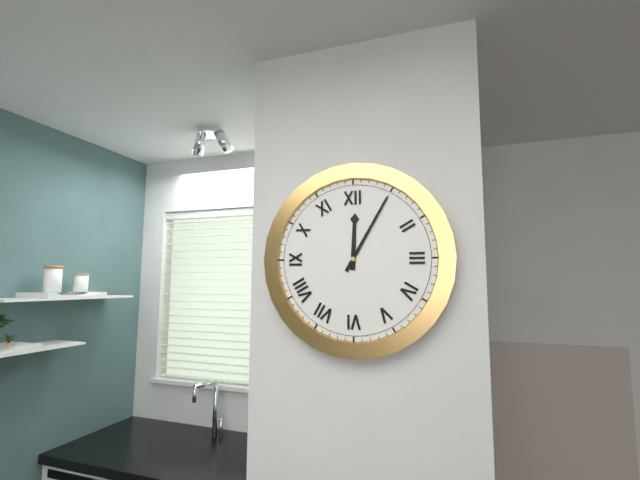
12:05
